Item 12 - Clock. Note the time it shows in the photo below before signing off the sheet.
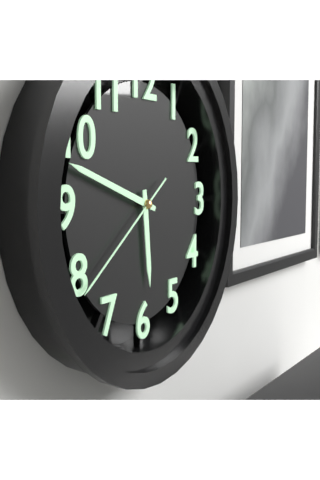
5:48:39
